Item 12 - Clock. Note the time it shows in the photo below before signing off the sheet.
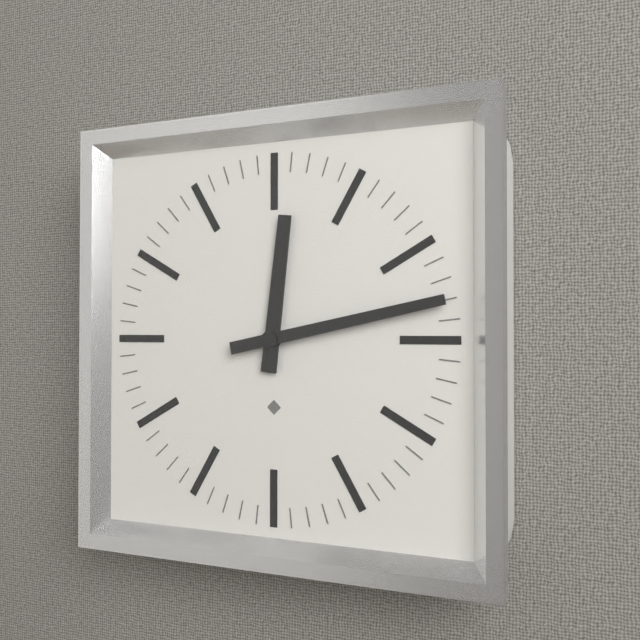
12:13
